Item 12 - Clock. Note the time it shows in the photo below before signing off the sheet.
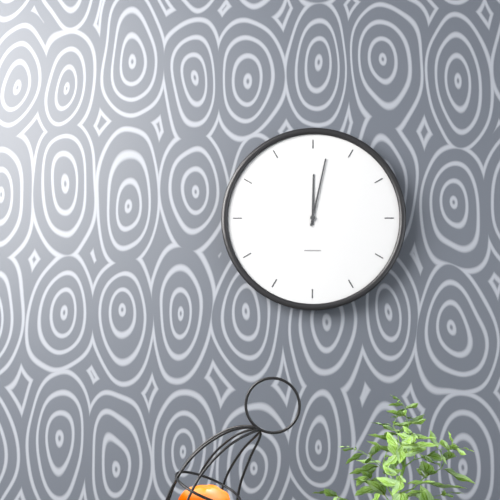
12:02
